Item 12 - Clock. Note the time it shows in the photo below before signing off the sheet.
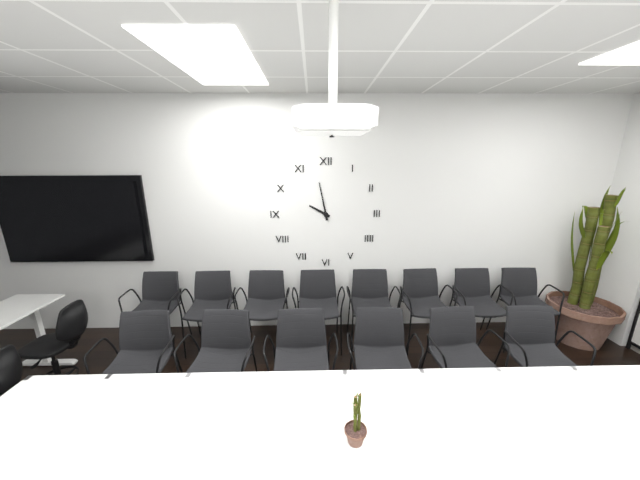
9:58
